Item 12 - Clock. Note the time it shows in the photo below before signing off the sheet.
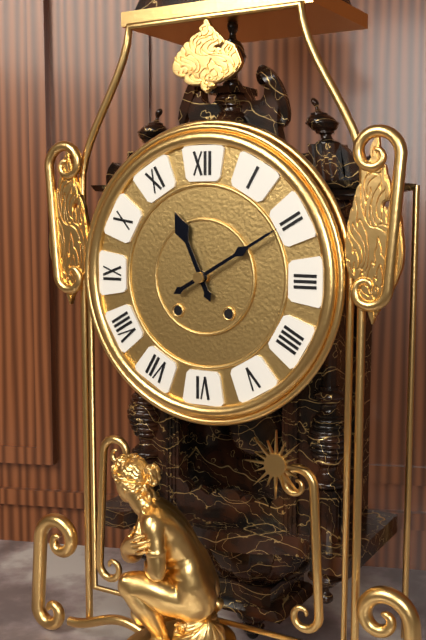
11:10
